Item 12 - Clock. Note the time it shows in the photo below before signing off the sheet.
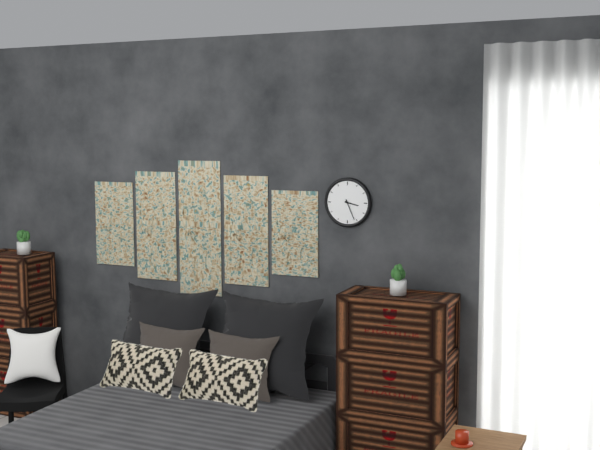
3:26
